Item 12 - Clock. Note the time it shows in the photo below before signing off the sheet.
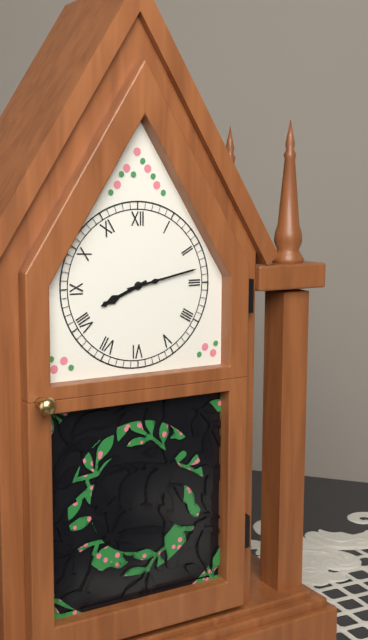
8:13
